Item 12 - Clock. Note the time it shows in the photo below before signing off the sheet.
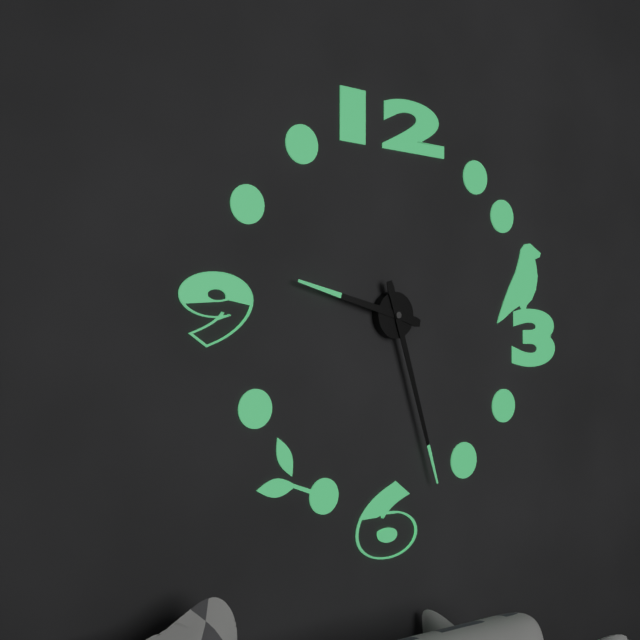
9:27
